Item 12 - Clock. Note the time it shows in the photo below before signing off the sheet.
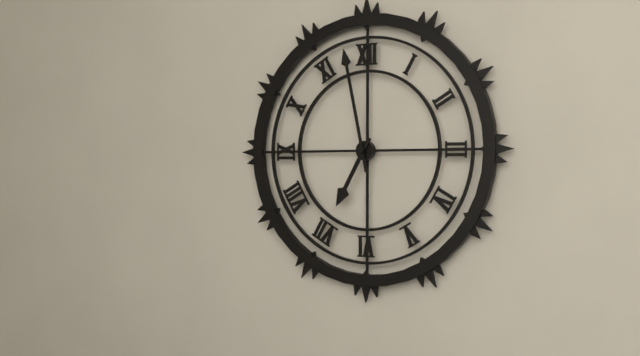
6:58
